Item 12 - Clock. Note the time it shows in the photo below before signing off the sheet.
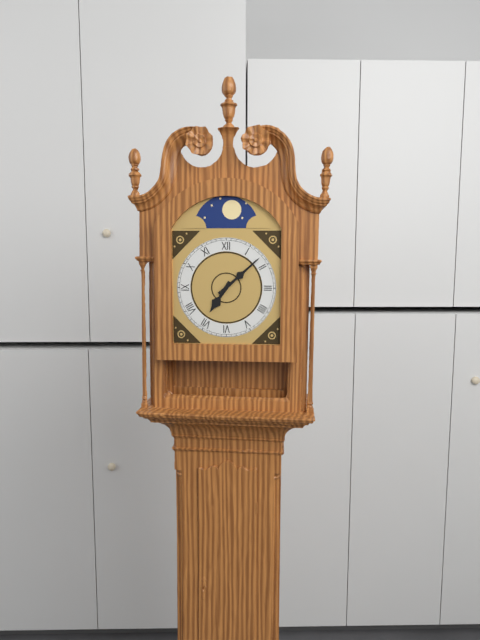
7:08
